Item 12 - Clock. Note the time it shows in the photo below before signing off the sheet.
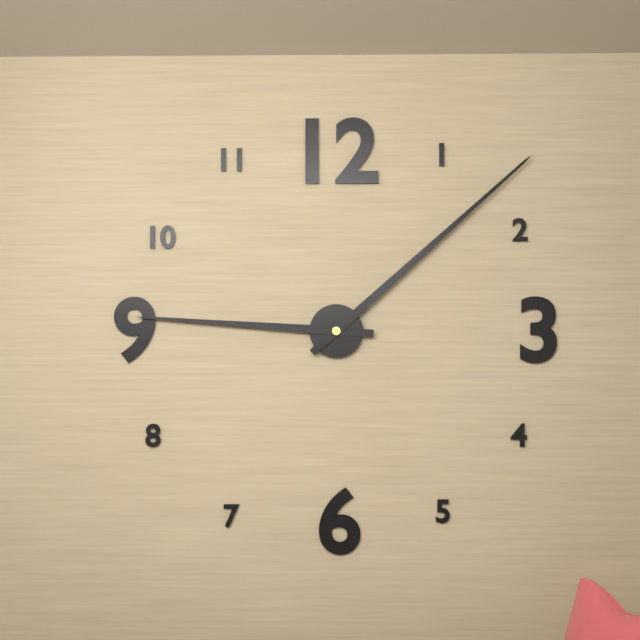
9:08
